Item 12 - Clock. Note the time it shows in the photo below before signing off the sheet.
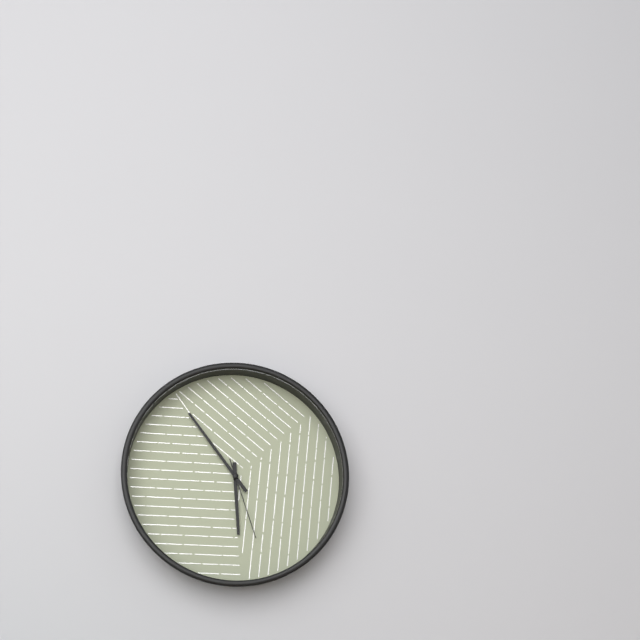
5:54:27
